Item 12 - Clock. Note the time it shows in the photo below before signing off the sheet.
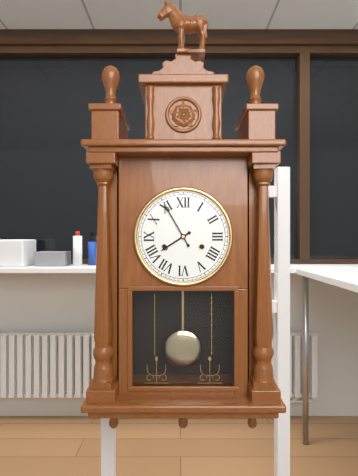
7:55
